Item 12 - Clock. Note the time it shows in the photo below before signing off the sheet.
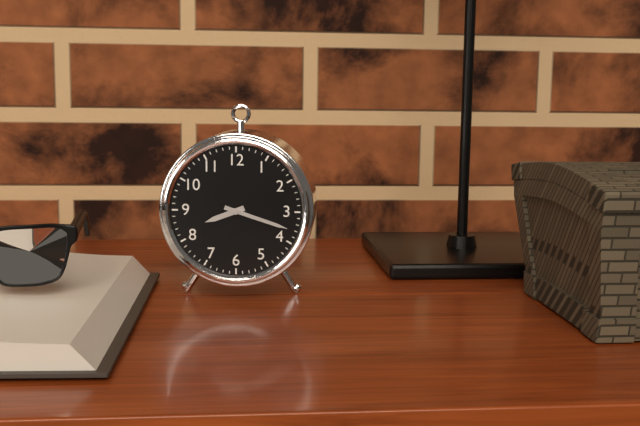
8:18
